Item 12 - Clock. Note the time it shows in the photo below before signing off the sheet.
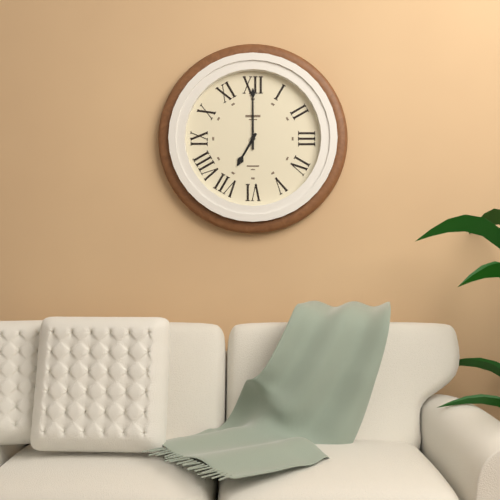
7:00
